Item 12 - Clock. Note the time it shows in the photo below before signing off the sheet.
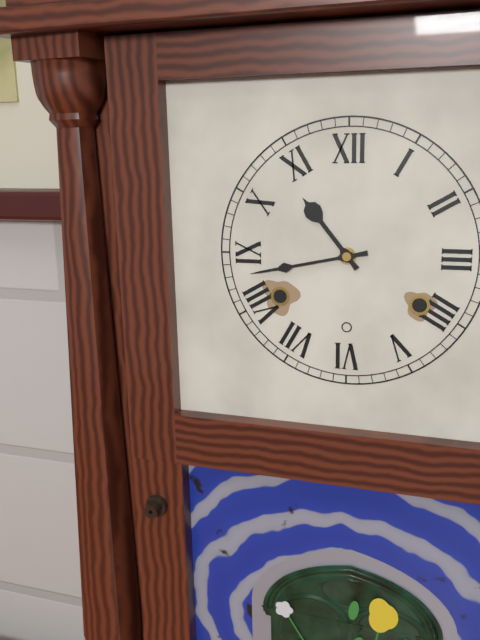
10:43
